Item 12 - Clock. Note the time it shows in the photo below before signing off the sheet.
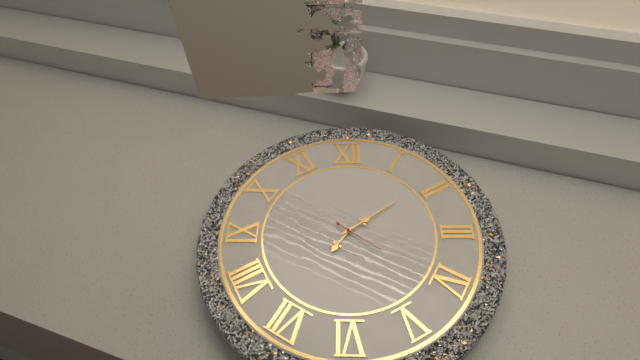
7:09
